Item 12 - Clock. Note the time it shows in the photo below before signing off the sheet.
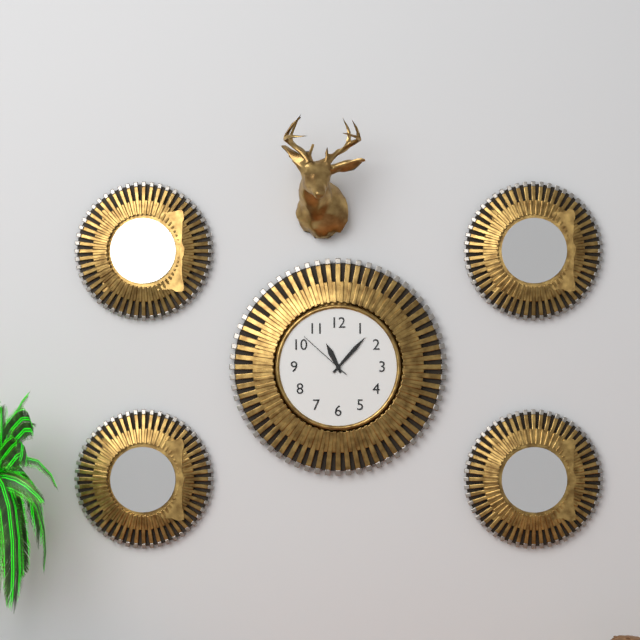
11:07:52
